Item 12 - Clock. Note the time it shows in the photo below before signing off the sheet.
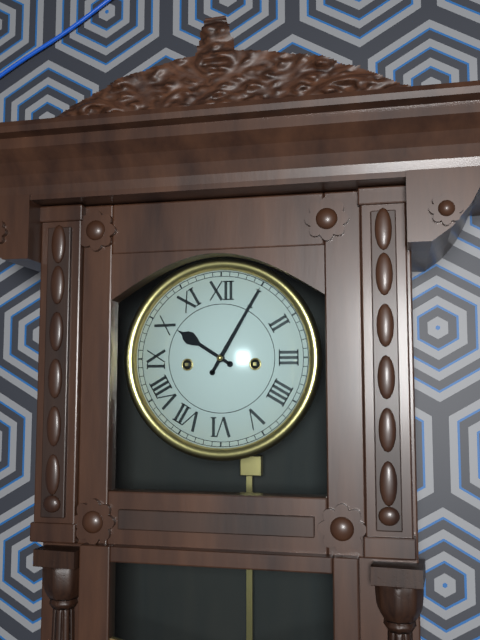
10:05
